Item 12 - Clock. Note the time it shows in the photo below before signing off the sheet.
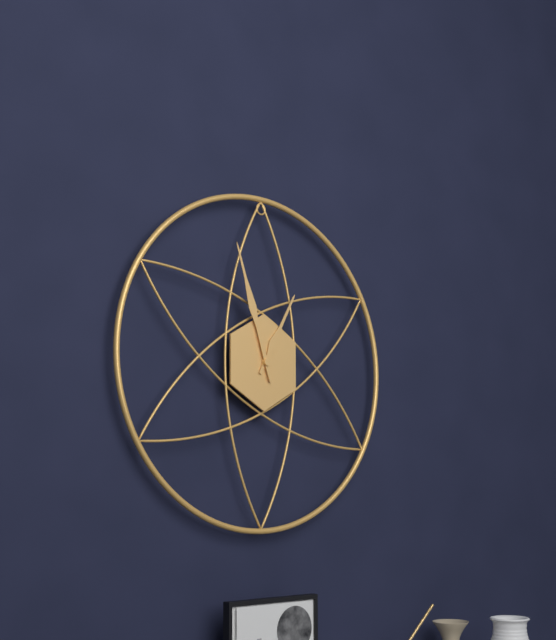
12:57
